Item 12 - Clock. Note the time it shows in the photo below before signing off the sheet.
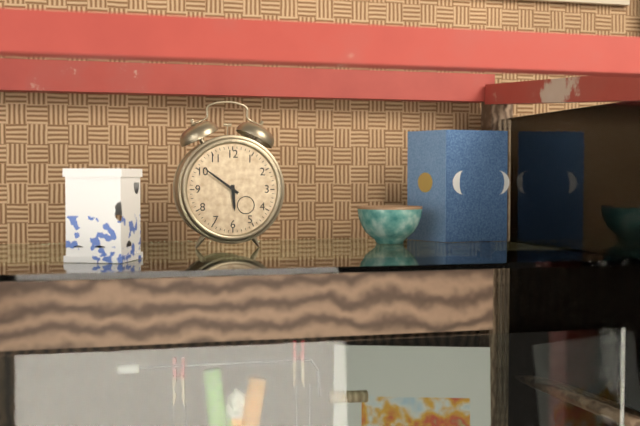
5:51
